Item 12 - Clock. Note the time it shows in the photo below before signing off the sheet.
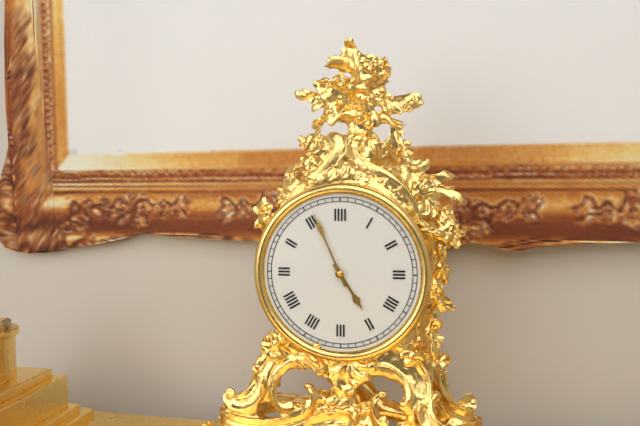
4:56
